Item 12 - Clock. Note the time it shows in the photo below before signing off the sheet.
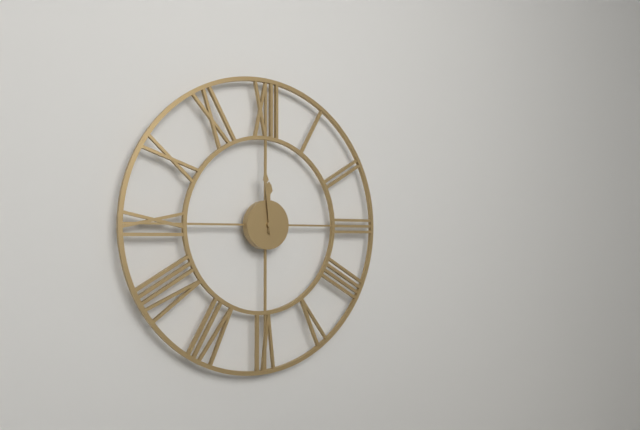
11:59
